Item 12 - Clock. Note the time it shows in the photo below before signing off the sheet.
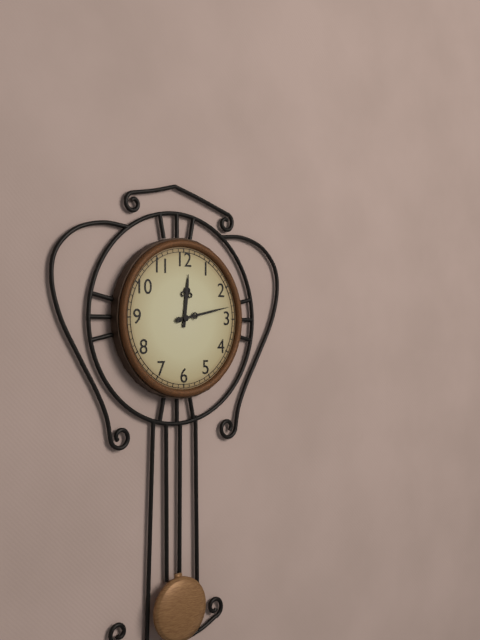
12:13
